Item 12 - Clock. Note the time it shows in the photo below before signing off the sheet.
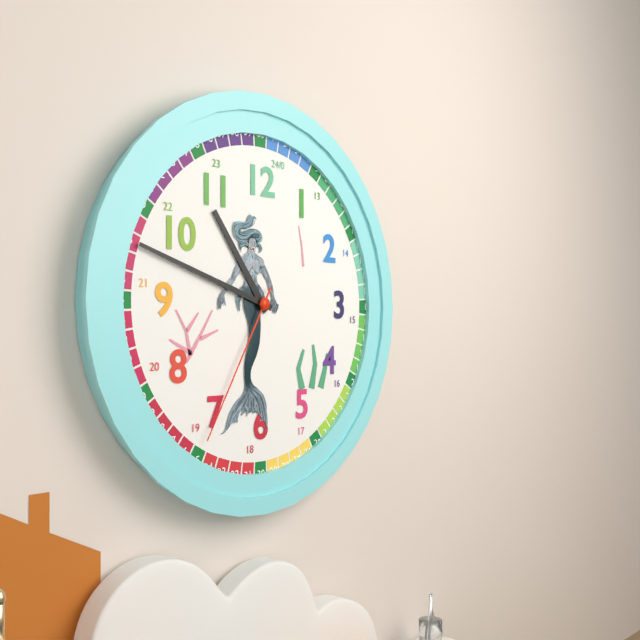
10:48:35
